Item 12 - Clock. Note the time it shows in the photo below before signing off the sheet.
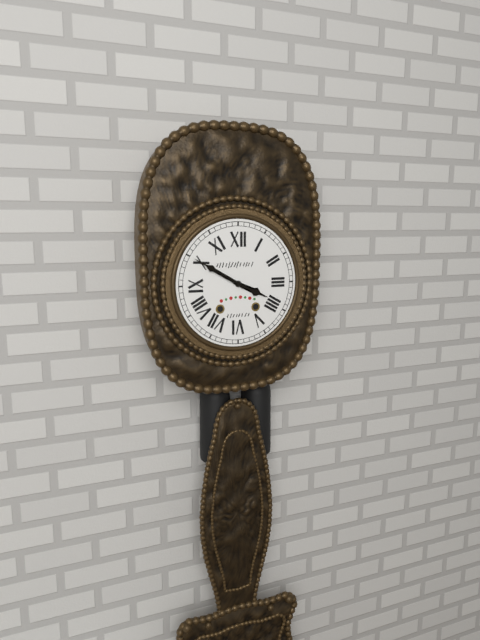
3:50
